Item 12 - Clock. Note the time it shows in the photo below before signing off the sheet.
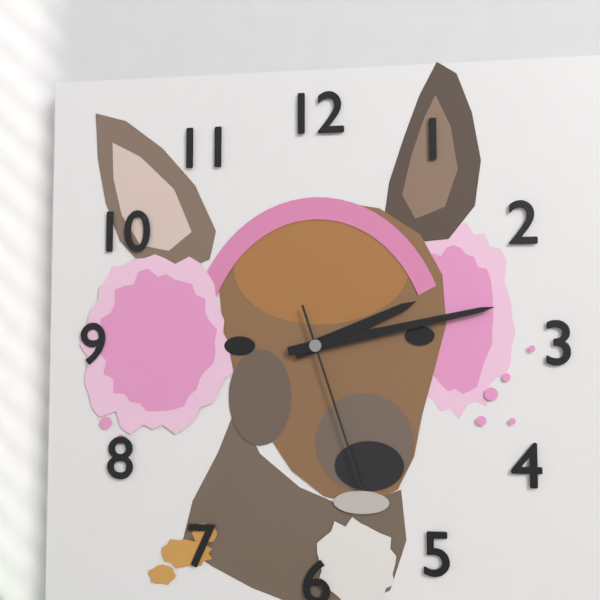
2:13:27
